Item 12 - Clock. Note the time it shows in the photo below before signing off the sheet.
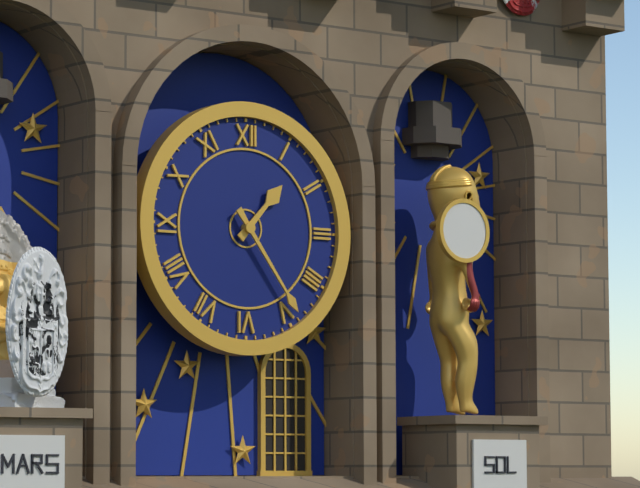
1:24
